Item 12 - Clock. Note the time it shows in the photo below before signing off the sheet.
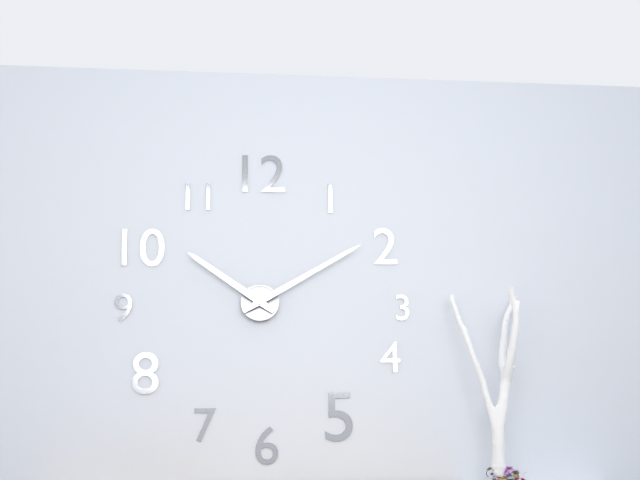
10:10
